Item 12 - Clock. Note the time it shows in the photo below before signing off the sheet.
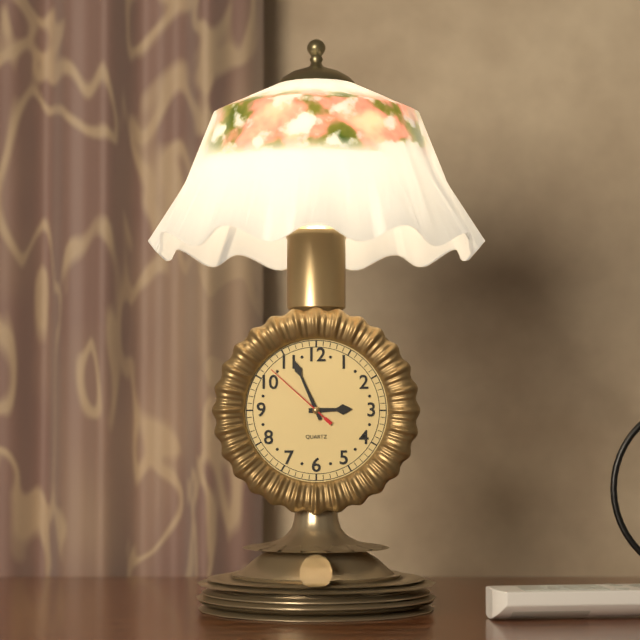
2:56:52
